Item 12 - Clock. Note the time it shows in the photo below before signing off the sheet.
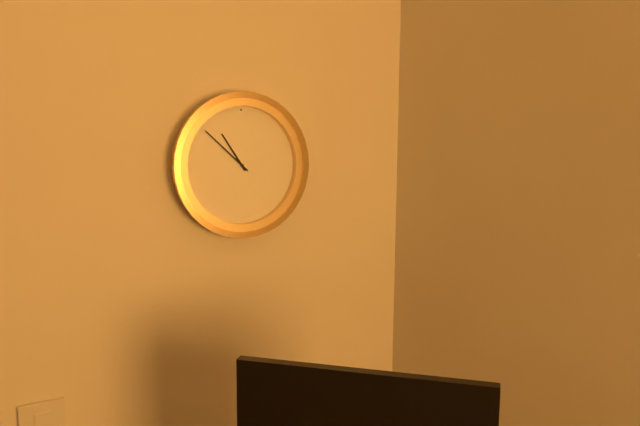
10:52
